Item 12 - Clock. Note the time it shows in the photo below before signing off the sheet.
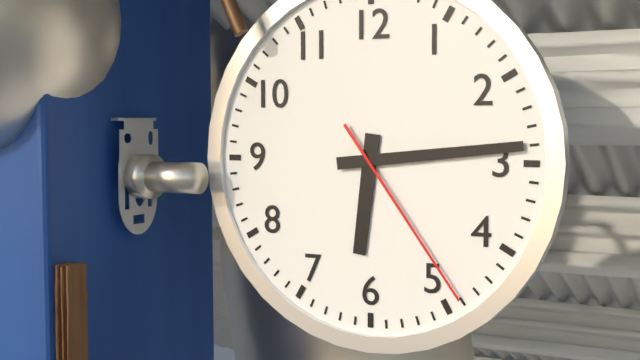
6:14:24
